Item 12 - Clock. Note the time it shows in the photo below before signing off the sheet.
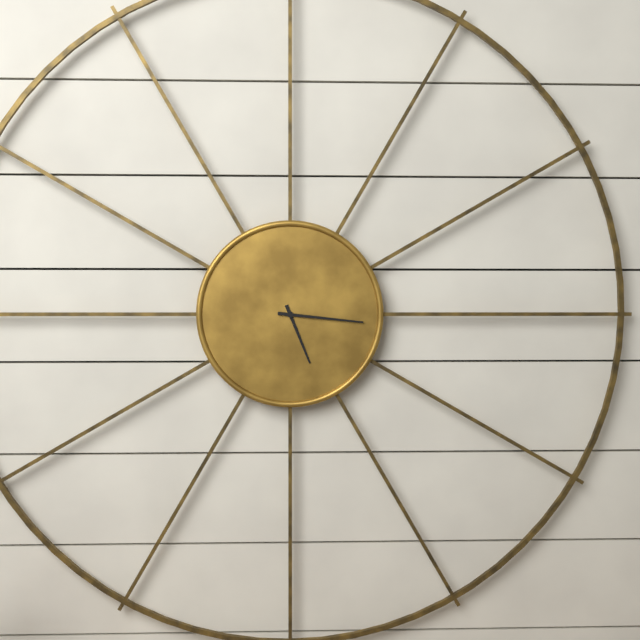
5:16
